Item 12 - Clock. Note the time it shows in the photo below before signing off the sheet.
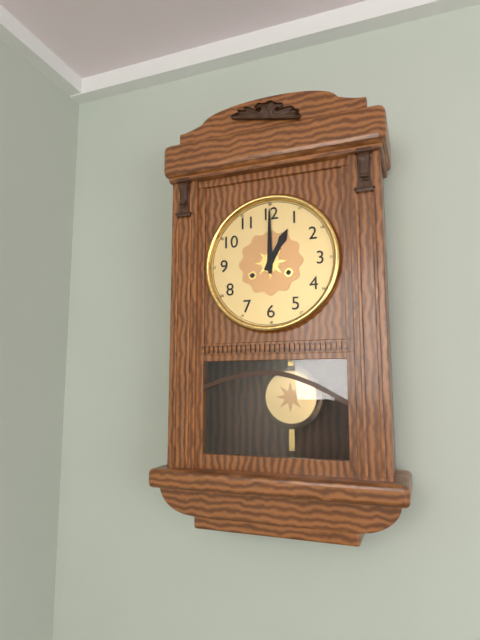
1:00
